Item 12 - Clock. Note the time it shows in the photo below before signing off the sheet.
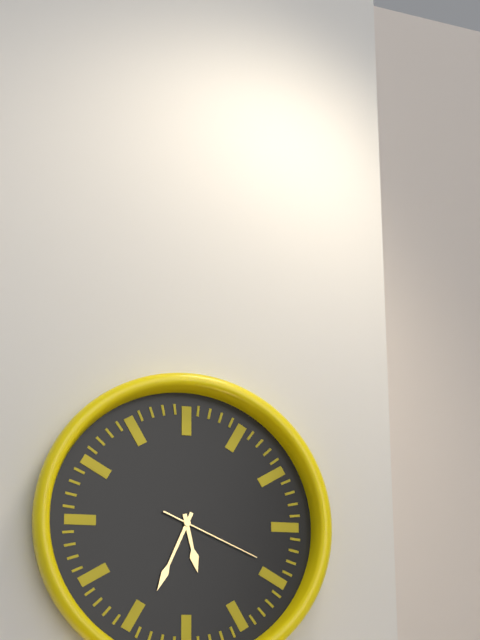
5:34:19
